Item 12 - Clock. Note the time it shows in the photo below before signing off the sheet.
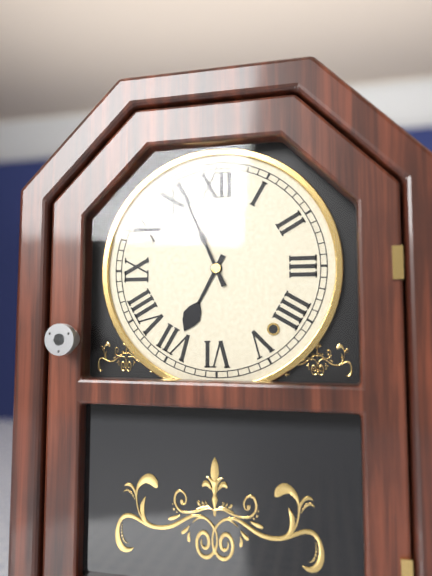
6:56
